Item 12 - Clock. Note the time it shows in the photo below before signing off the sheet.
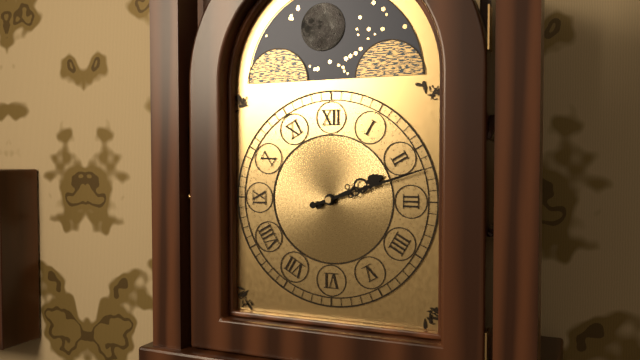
2:12
